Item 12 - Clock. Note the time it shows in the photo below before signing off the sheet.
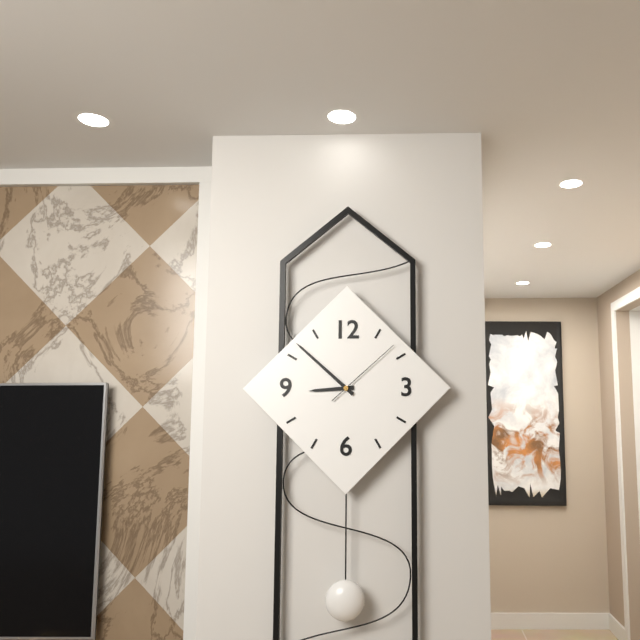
8:52:08
